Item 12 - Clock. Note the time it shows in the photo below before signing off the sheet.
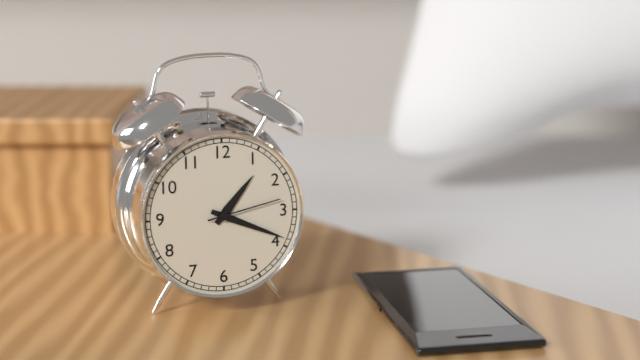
1:19:13
